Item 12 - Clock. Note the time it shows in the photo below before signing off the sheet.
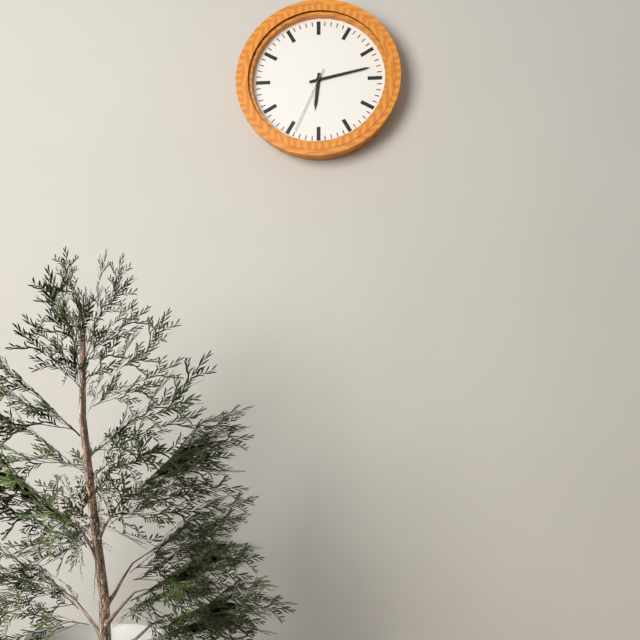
6:13:34
